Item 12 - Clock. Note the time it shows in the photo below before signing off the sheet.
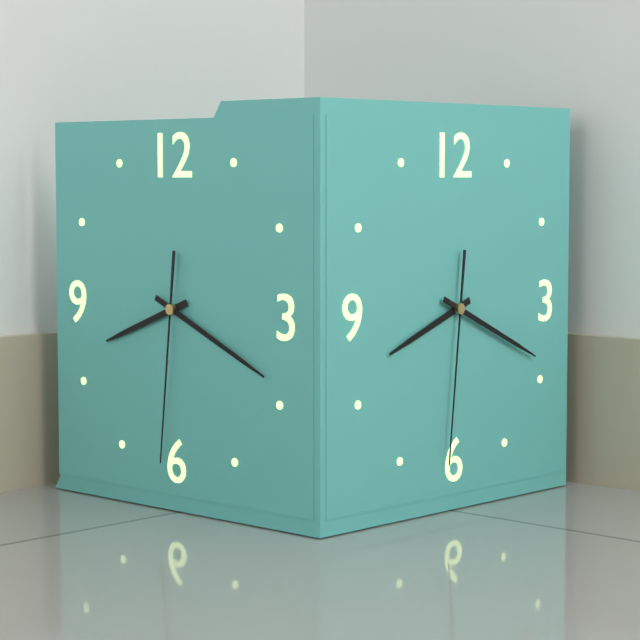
8:19:31
